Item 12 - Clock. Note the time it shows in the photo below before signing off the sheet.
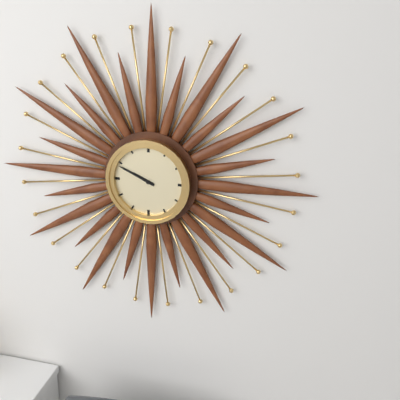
9:49
